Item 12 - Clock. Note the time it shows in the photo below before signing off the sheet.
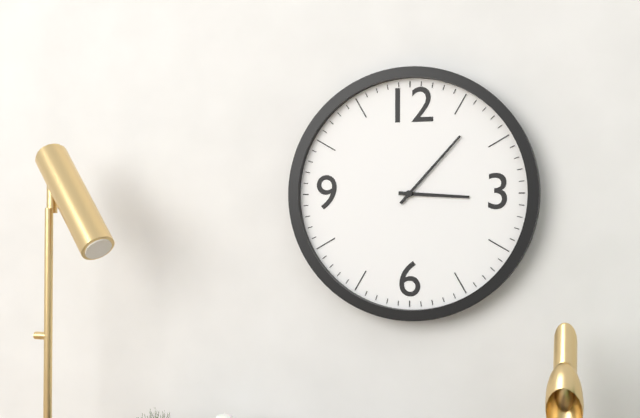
3:07
